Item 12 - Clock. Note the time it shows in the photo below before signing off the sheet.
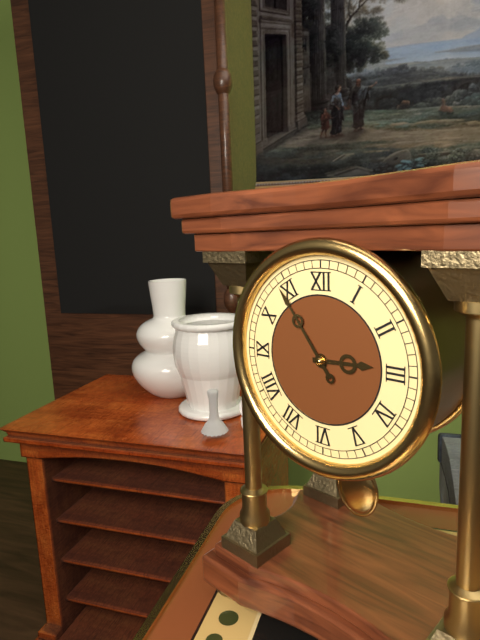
2:54
